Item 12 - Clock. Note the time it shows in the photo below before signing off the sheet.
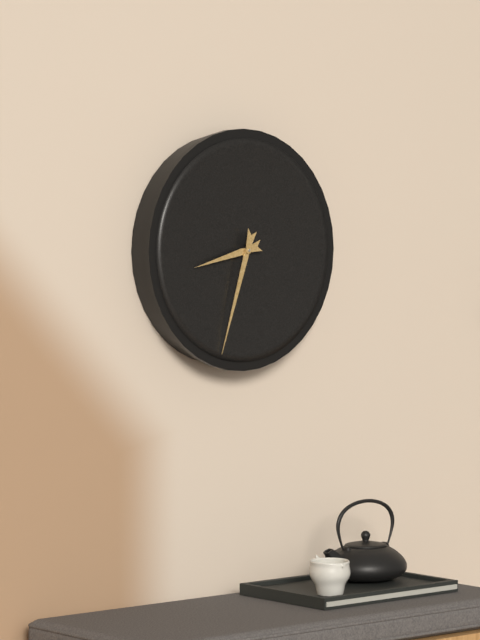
8:33
